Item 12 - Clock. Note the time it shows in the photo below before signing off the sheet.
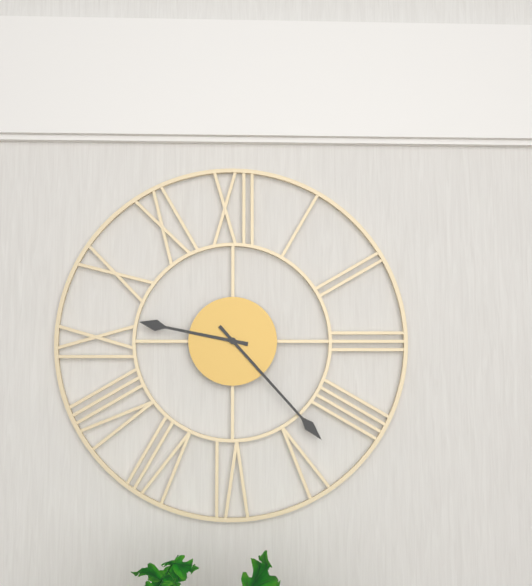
9:23
